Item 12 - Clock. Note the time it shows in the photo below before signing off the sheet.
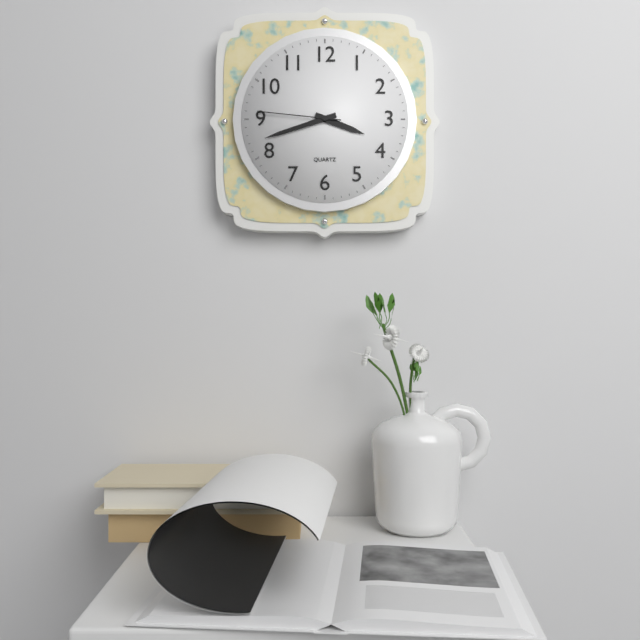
3:42:46
